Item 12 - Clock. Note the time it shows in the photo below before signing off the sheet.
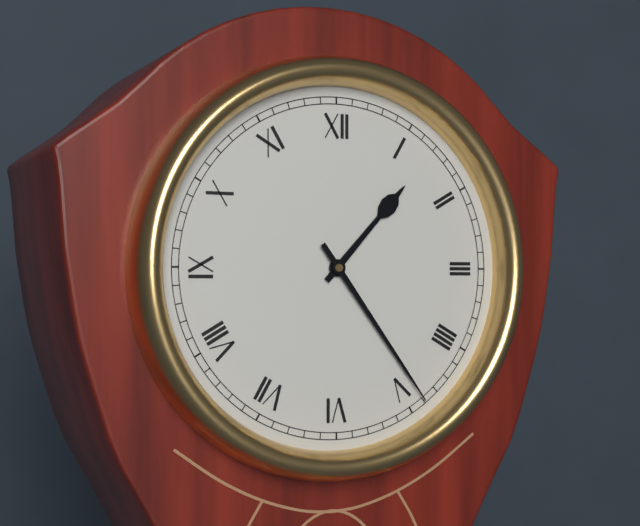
1:24
